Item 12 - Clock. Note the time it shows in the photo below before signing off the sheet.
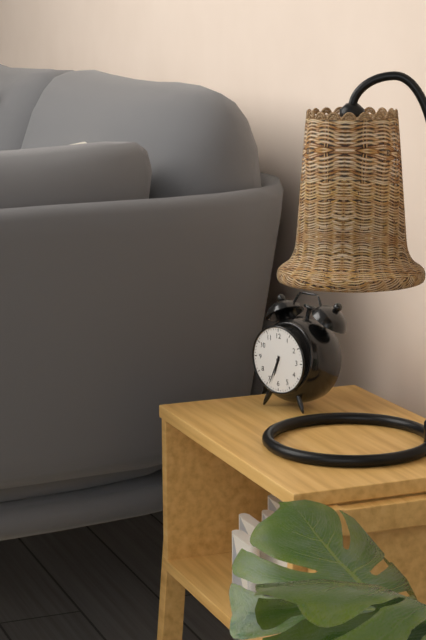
6:34
